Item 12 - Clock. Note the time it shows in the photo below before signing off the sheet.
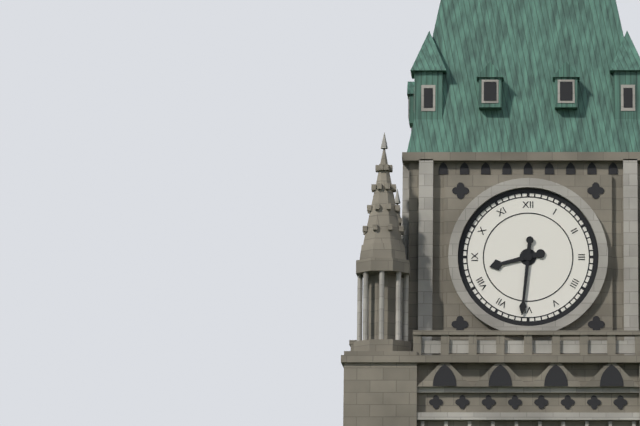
8:31
